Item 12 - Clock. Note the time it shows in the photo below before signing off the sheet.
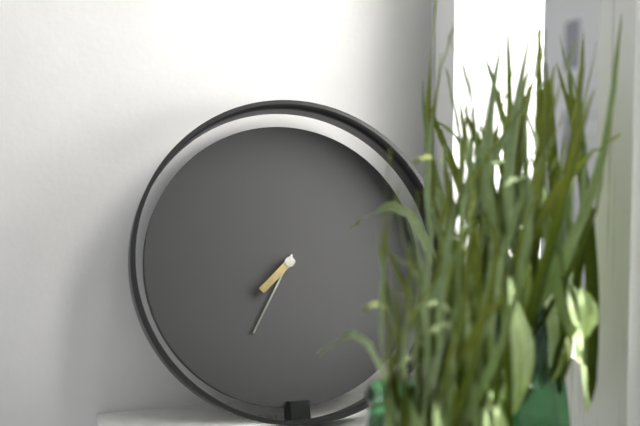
7:35
